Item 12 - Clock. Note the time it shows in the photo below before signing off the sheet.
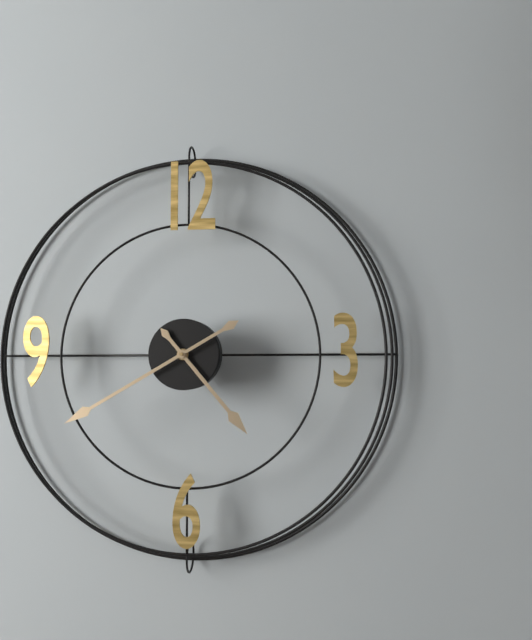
4:40
